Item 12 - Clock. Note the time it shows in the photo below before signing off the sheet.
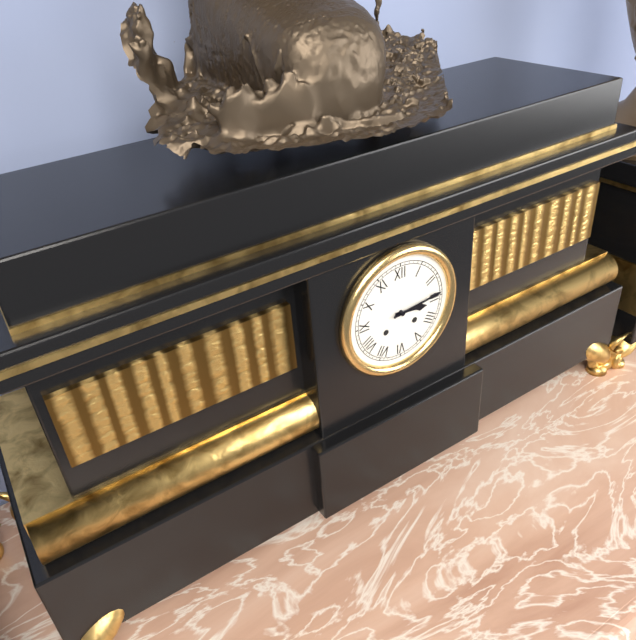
3:14
